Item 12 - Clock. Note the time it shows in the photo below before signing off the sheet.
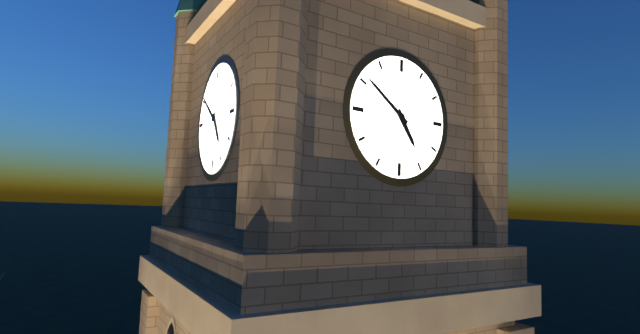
4:51
